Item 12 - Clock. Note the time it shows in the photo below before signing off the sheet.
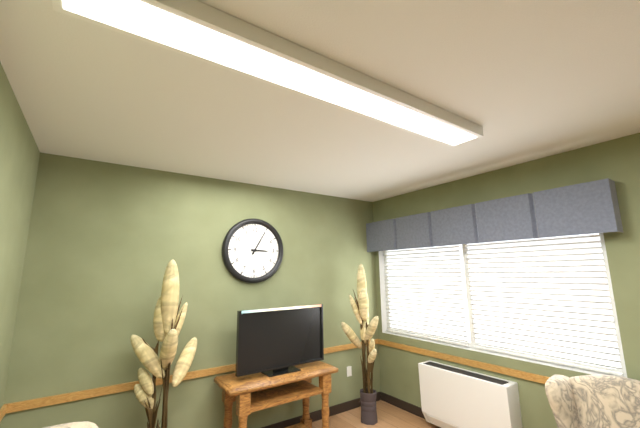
3:05
